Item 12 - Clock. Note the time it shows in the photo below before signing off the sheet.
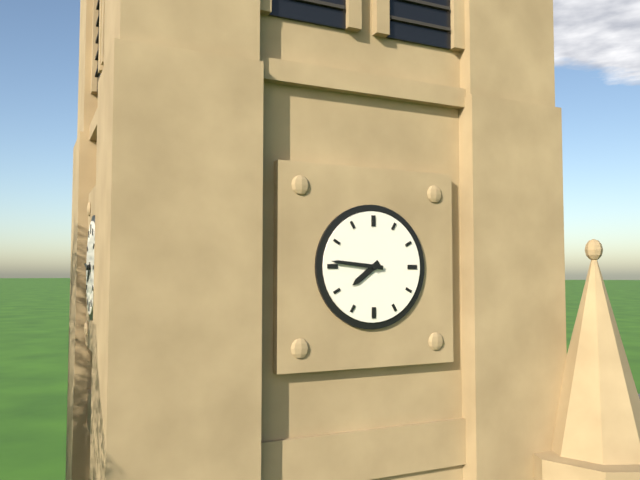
7:46
